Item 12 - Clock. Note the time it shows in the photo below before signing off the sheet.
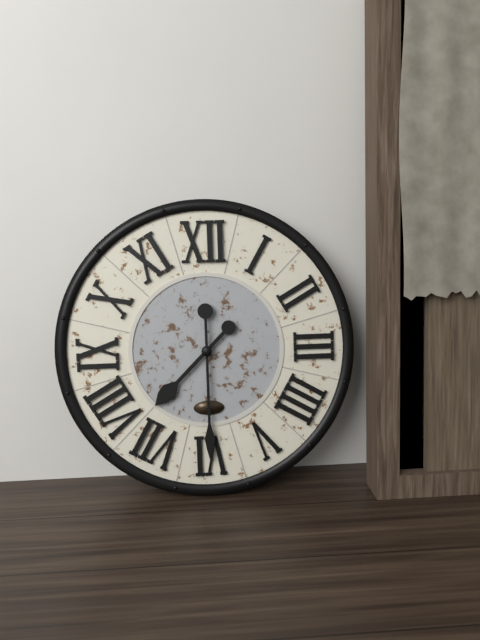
7:30
